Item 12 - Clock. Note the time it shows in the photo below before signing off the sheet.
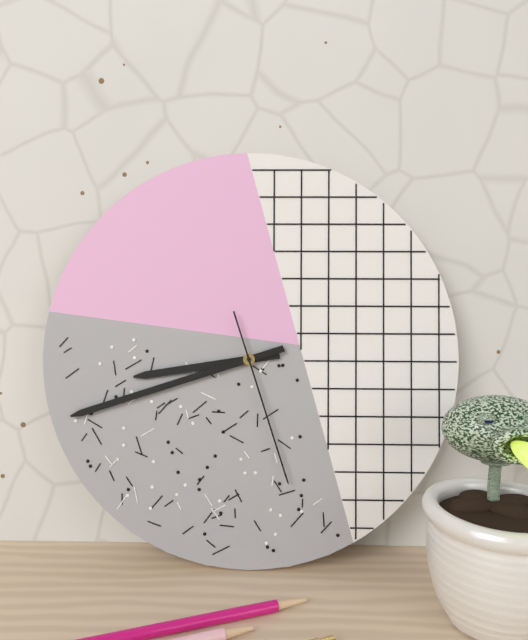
8:42:27
